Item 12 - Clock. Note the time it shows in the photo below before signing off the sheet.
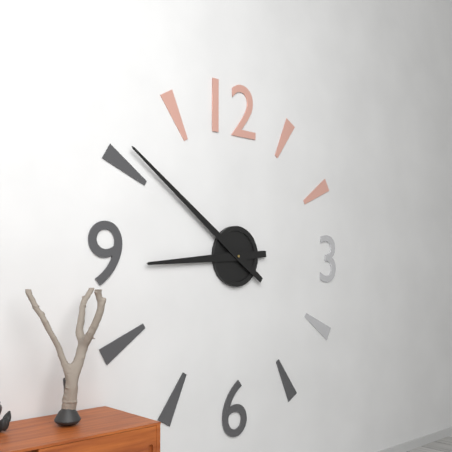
8:51
